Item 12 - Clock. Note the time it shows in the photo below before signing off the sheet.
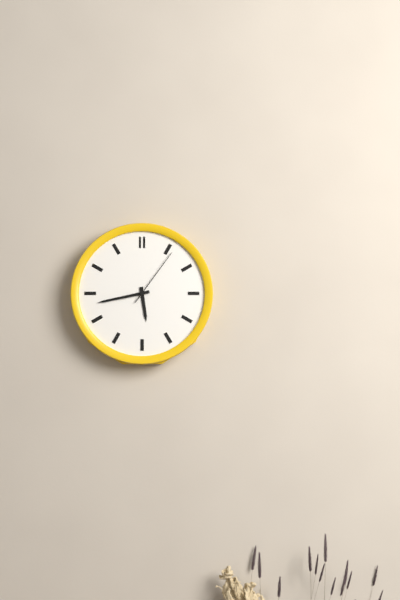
5:43:06
